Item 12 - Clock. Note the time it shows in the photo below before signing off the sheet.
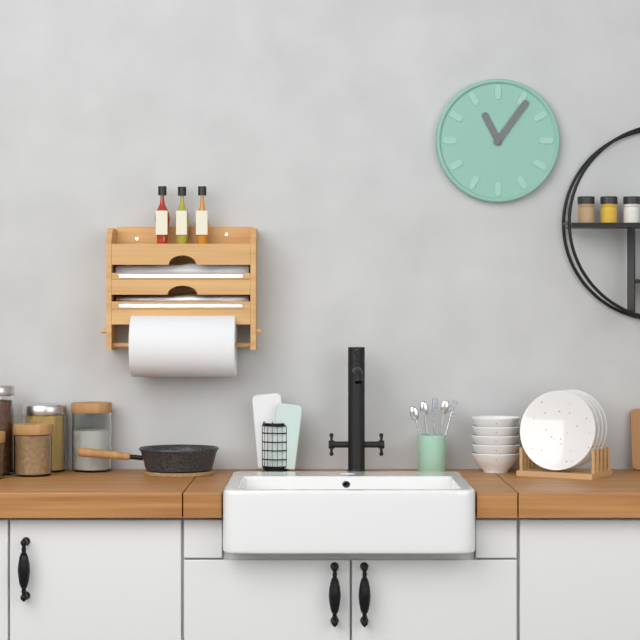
11:06
